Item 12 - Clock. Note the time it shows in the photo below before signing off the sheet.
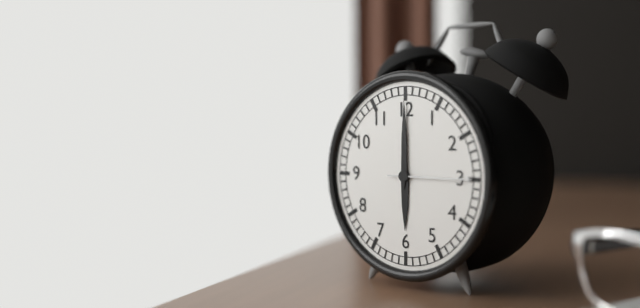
6:00:15
